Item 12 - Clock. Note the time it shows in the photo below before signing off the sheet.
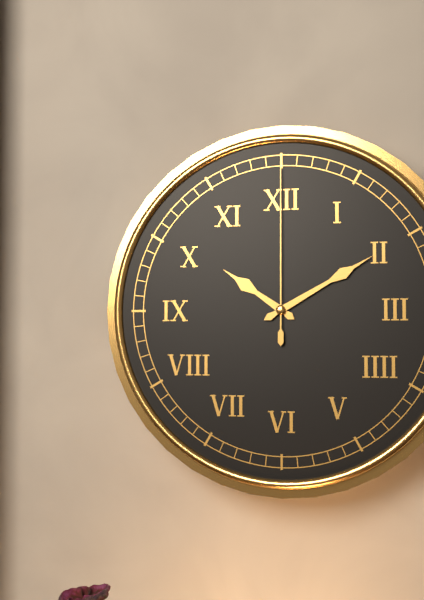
10:10:00
